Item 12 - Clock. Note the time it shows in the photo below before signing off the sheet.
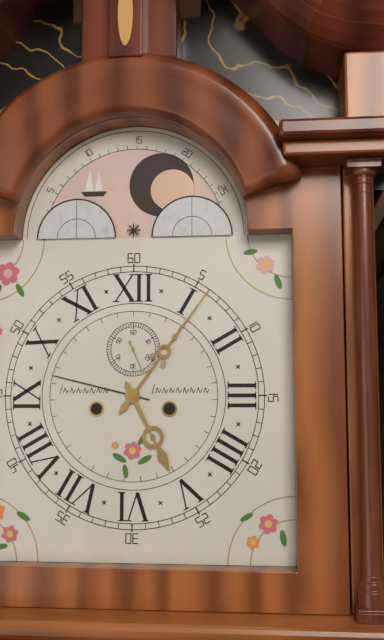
5:06
